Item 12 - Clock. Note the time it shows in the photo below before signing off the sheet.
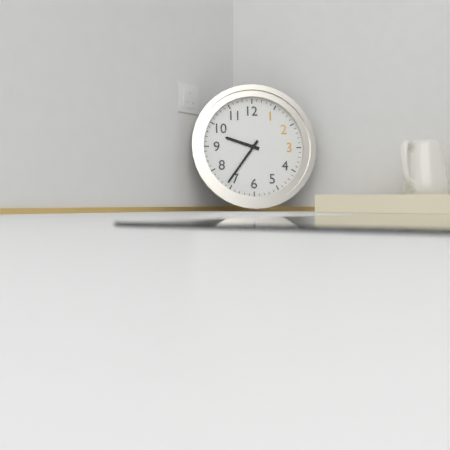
9:36
